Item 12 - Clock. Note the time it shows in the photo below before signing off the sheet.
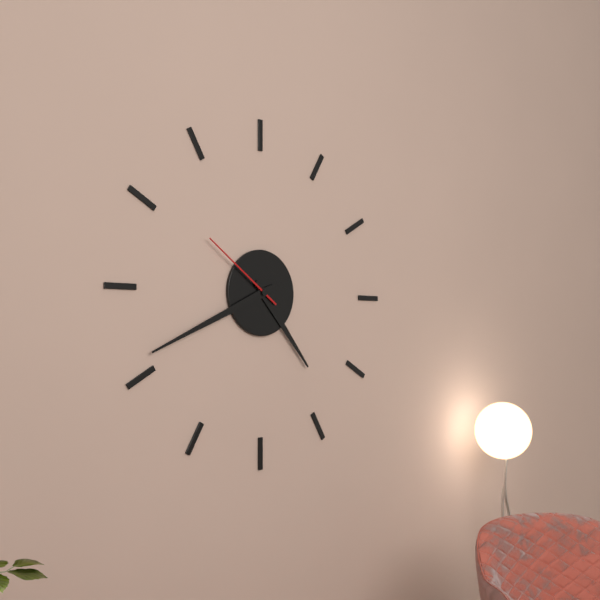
4:41:51
